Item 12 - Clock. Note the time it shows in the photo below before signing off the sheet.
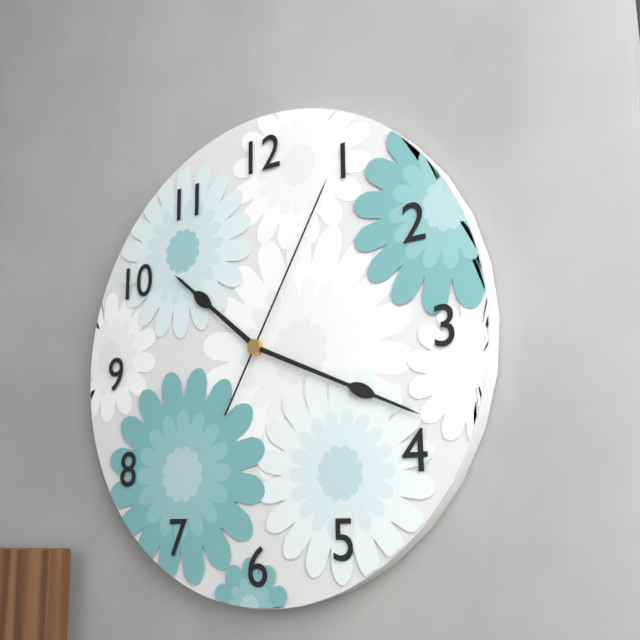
10:19:05
